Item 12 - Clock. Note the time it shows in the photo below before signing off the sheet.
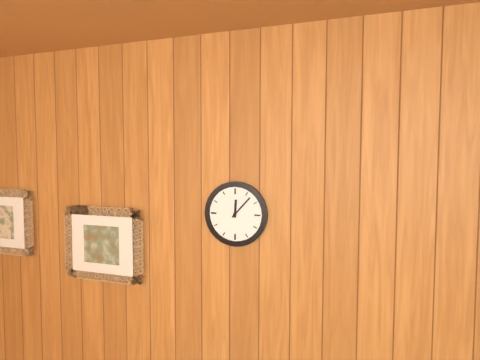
12:07
